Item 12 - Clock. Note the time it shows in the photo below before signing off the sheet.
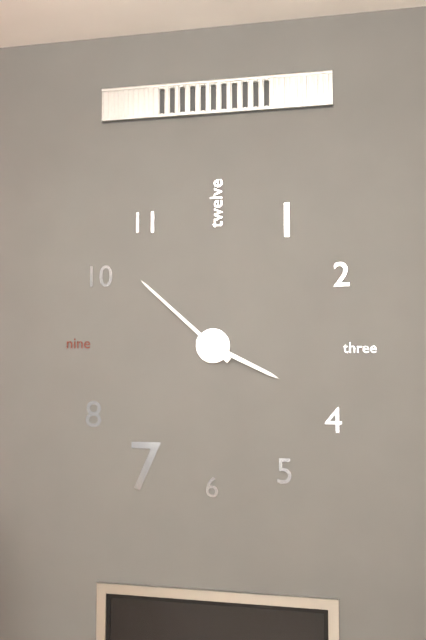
3:52
